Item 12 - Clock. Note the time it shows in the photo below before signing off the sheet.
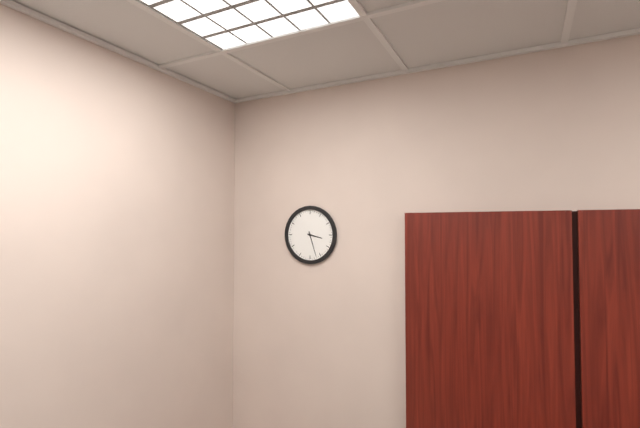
3:27
